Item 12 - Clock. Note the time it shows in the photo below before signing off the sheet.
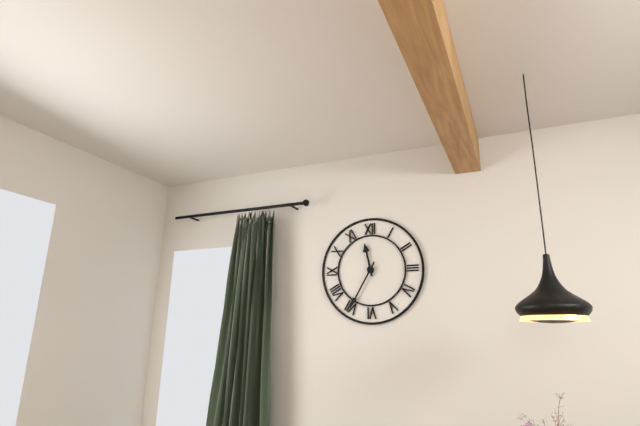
11:35
